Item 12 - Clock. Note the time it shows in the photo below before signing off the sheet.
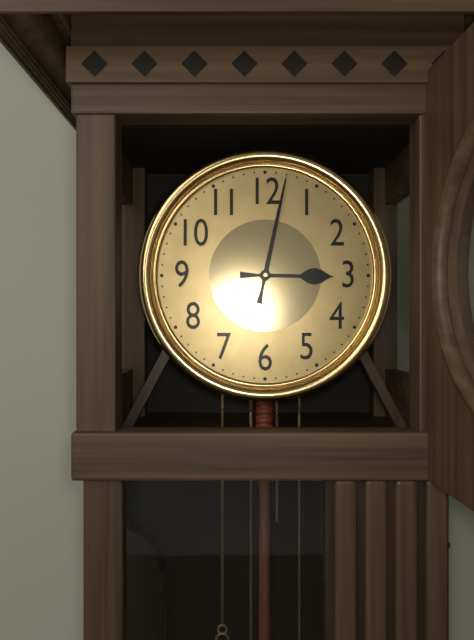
3:02
